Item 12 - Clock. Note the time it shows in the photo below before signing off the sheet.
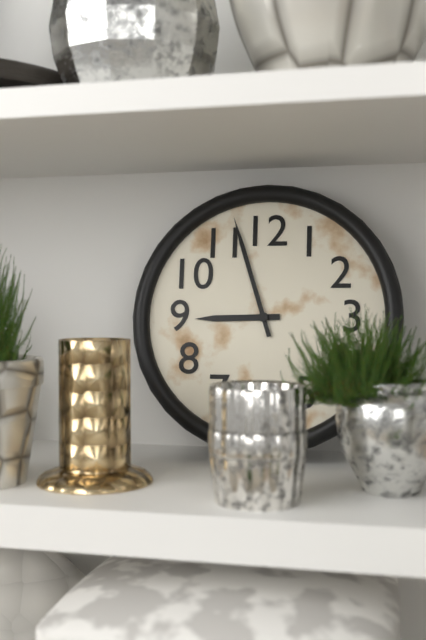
8:57
